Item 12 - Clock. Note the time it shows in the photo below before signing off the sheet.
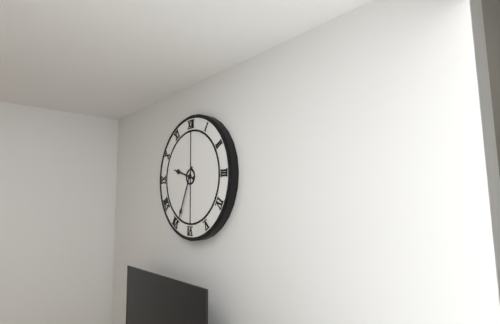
9:34
